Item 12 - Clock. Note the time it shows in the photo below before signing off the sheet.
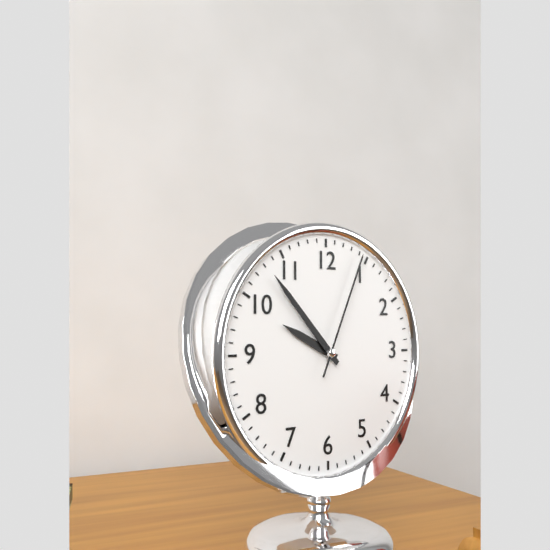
9:53:04
